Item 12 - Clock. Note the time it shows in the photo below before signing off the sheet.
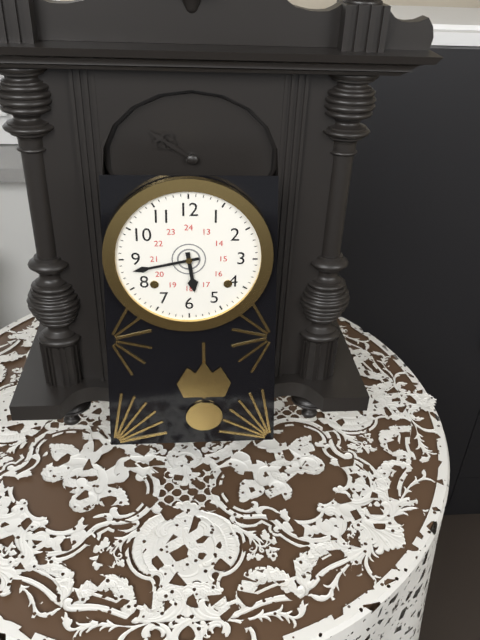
5:43
